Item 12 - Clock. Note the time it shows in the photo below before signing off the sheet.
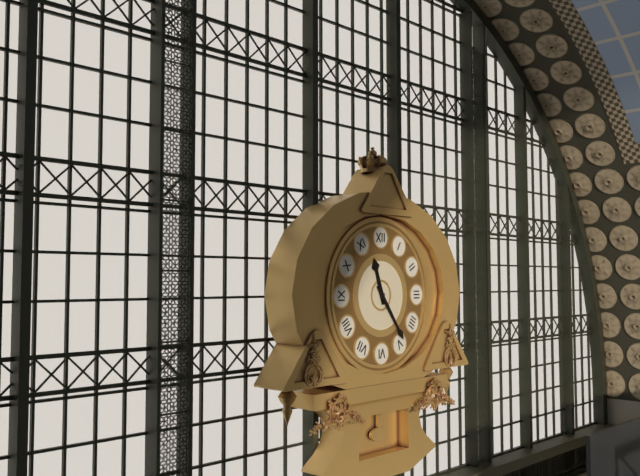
11:24
